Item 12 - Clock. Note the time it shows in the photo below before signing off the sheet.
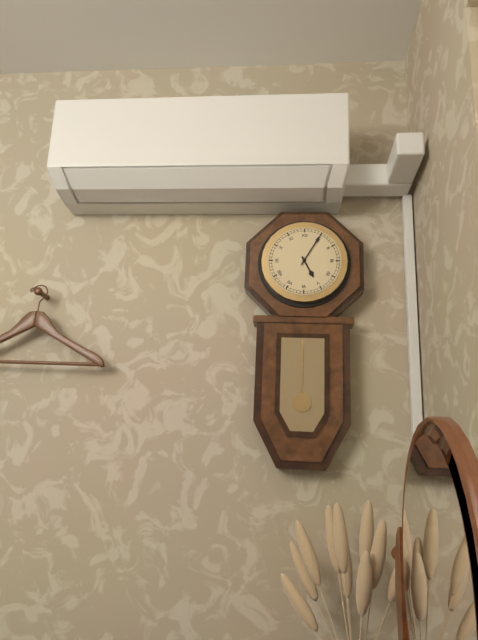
5:05
